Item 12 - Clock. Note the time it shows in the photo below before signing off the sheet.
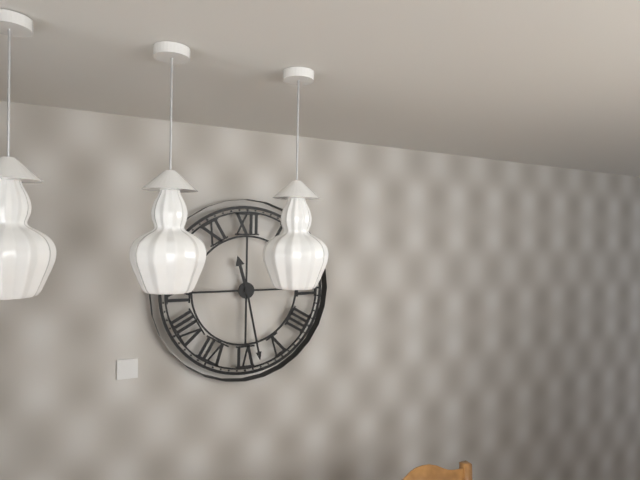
11:28
